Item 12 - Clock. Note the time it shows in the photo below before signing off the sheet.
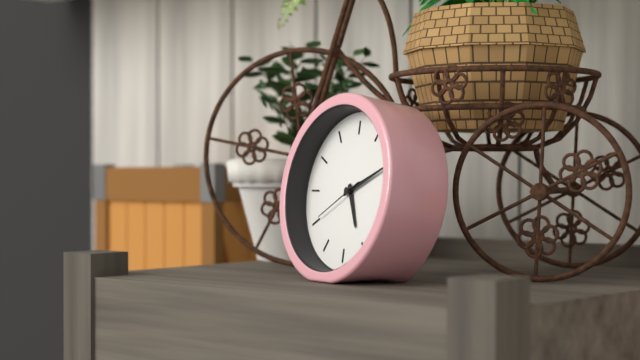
5:11:40
